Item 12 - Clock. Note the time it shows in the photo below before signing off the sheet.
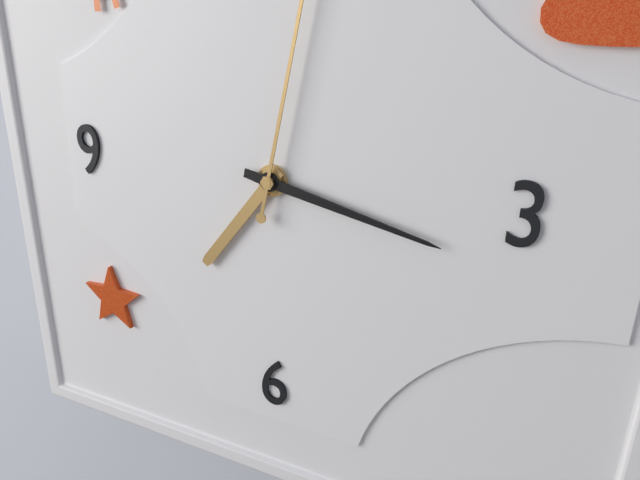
7:17
